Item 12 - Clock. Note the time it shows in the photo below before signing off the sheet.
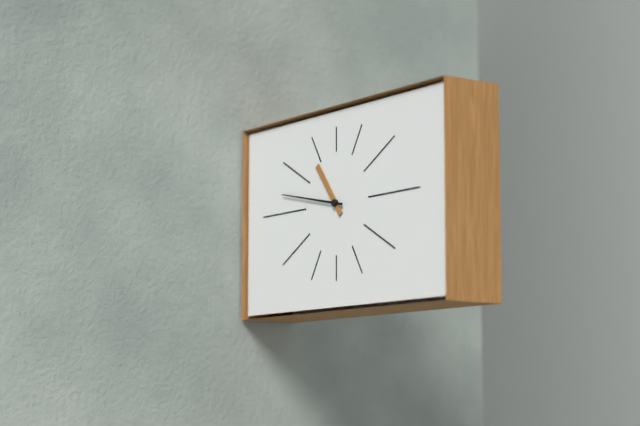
10:47
